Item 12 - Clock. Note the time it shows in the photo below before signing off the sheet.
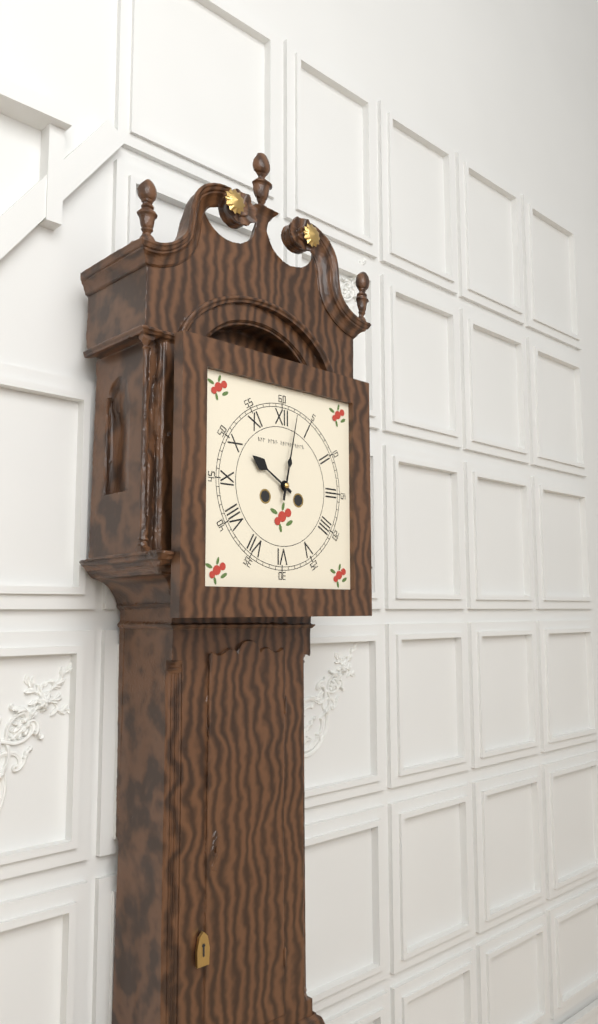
10:02
